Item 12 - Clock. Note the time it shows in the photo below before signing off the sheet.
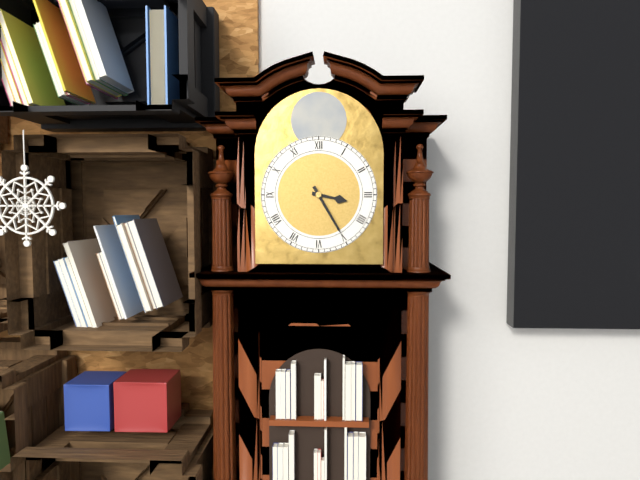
3:25
